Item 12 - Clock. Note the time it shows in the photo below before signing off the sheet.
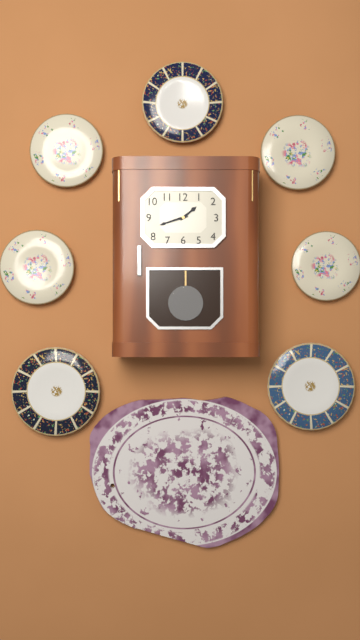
1:42
